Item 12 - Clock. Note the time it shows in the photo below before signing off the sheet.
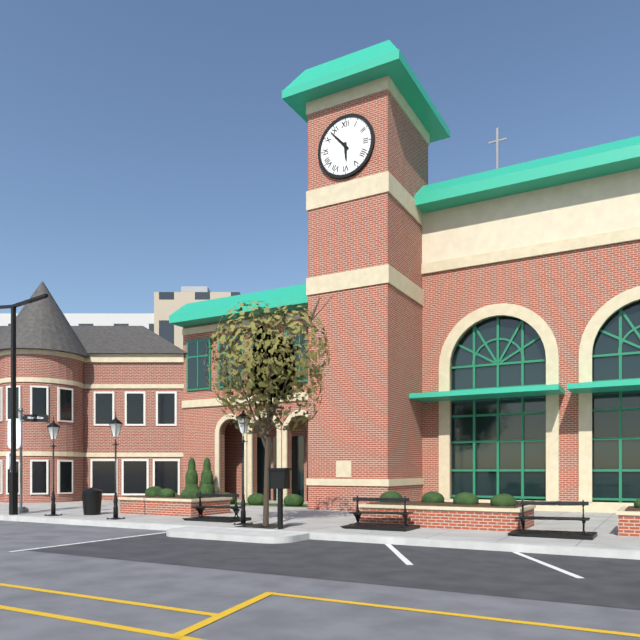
5:53
